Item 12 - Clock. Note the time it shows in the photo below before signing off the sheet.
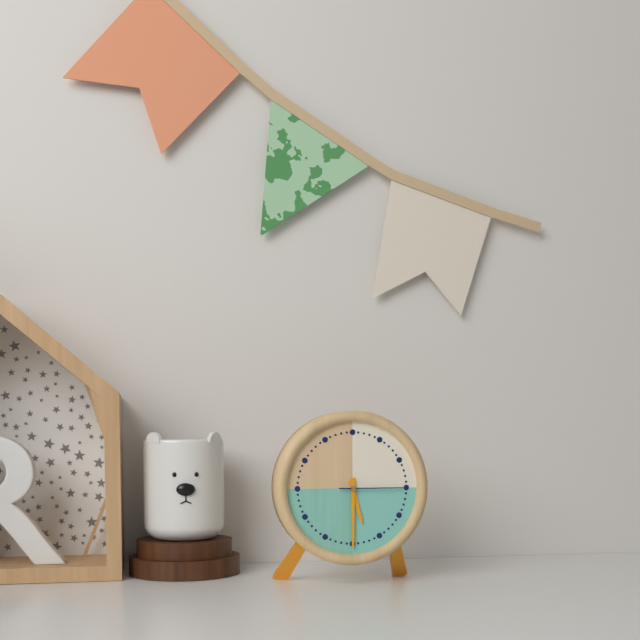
5:30:15
